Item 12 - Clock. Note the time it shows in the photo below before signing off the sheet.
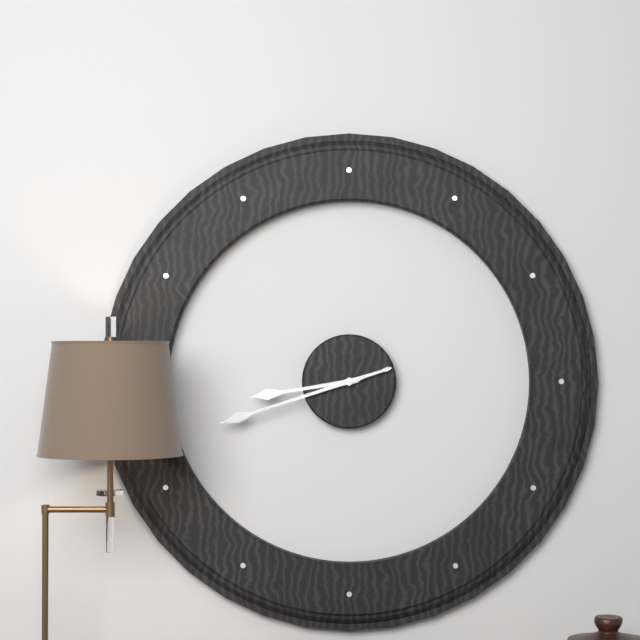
8:42
